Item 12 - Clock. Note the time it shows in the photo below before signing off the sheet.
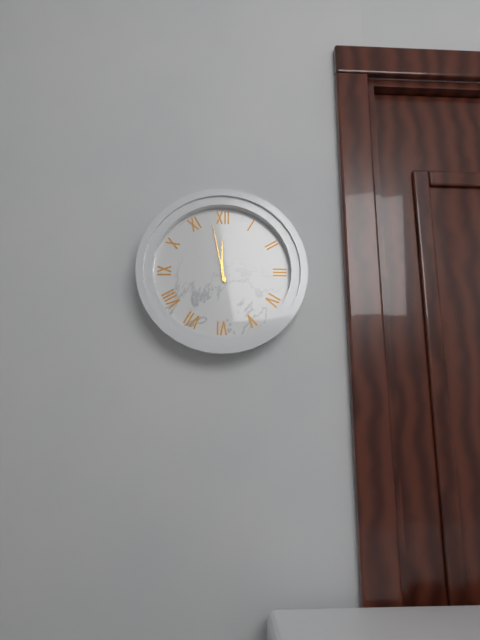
11:58
